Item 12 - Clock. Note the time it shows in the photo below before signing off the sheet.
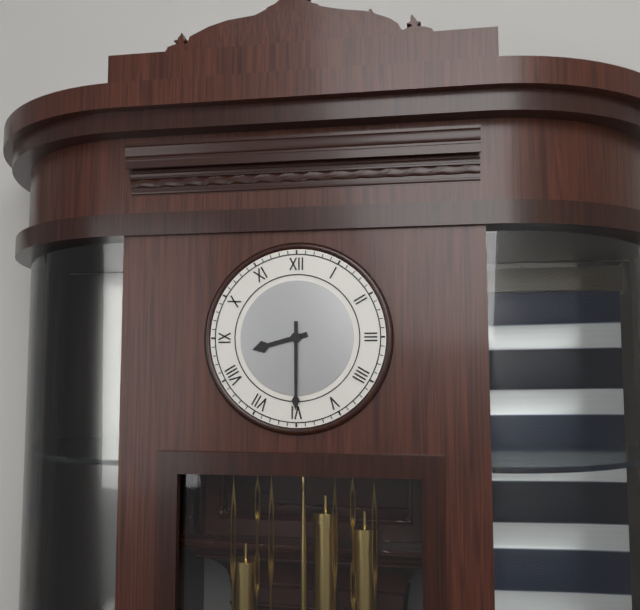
8:30
